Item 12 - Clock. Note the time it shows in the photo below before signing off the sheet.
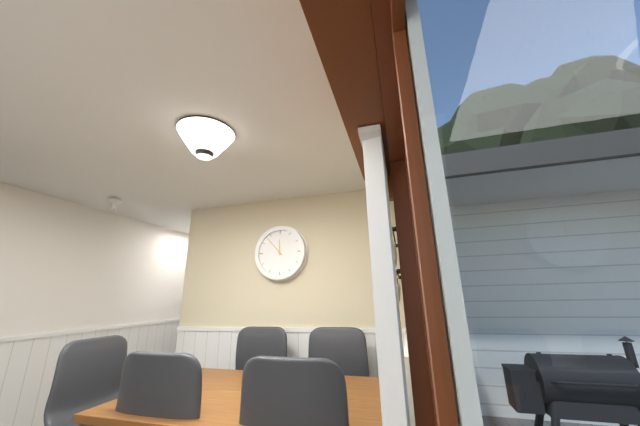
11:53
